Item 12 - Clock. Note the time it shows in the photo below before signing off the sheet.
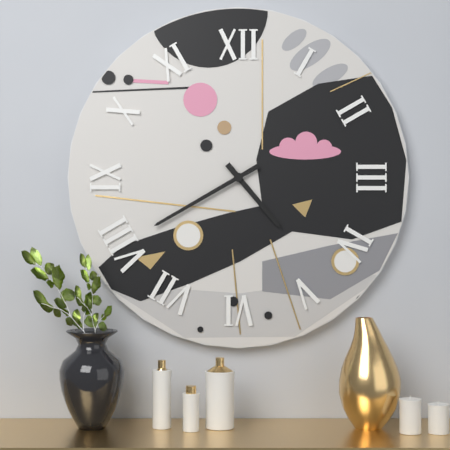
4:40
